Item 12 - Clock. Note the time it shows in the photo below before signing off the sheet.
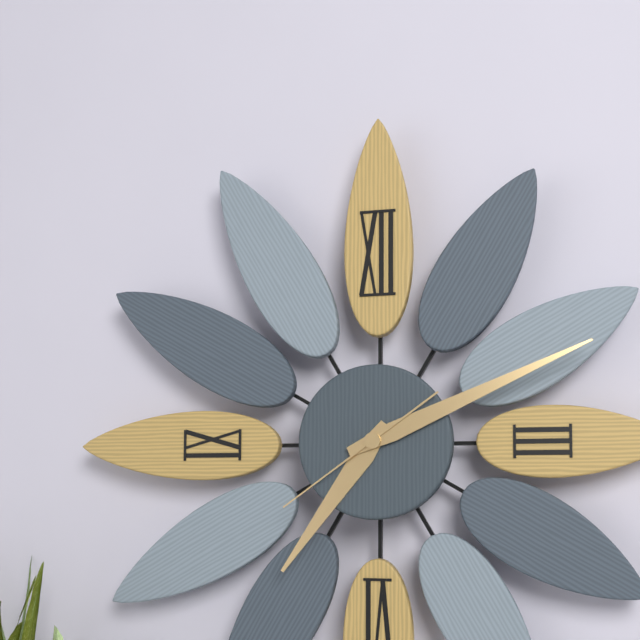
7:11:39
